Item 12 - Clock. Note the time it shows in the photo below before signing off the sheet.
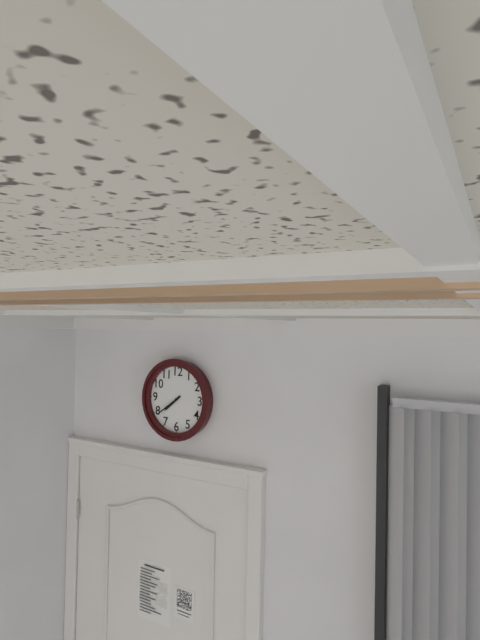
7:39
